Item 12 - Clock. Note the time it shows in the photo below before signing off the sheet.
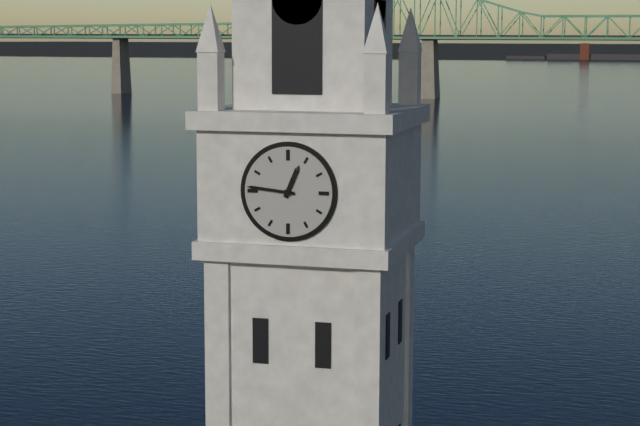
12:46
